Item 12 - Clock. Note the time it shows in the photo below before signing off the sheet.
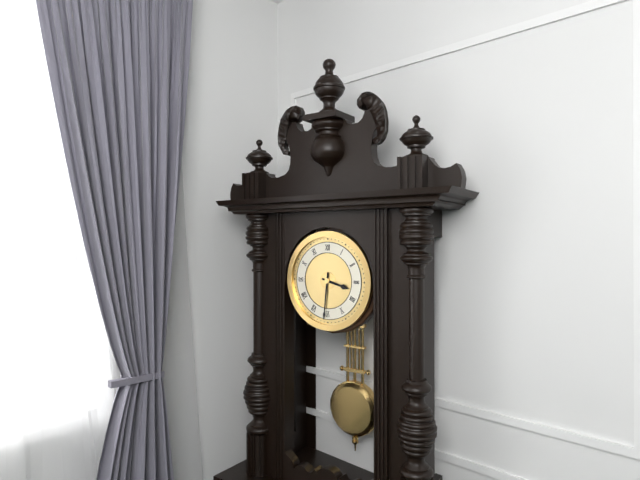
3:31
